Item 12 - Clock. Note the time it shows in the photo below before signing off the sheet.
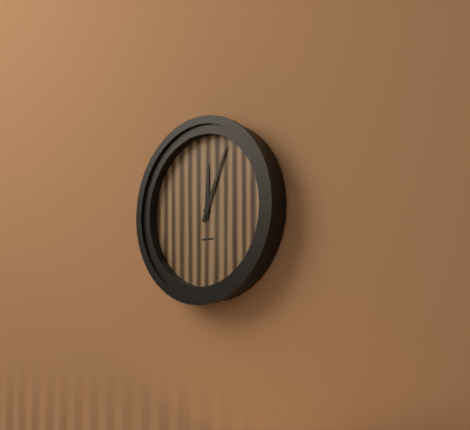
12:04
